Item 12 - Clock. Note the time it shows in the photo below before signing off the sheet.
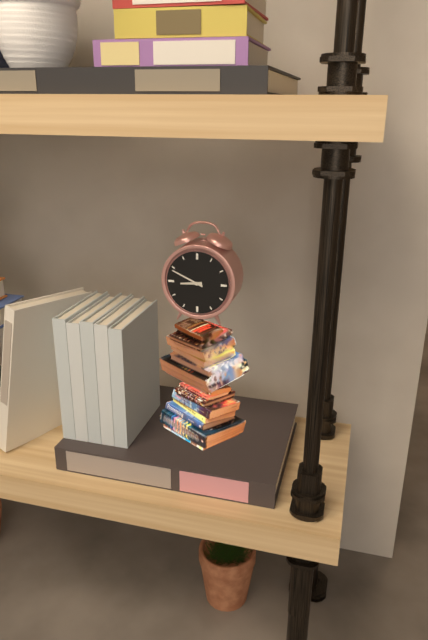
8:49
